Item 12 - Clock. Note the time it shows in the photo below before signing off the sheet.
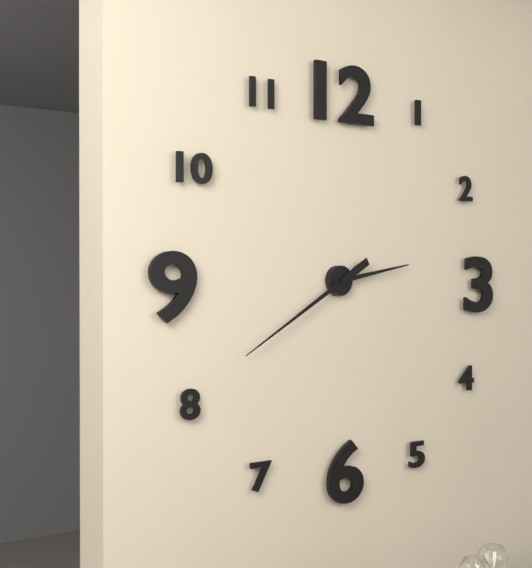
2:40
